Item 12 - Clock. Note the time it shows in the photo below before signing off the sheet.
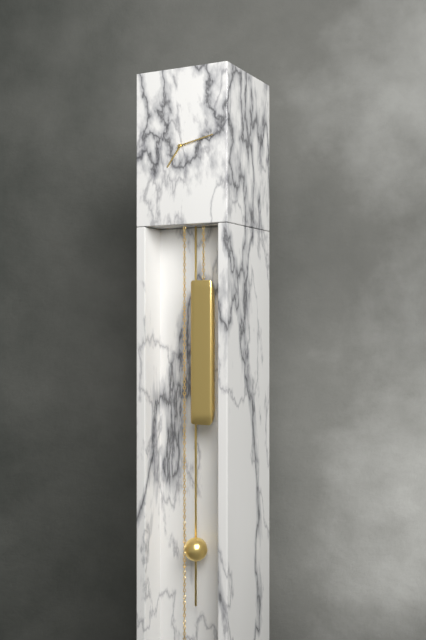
7:13
